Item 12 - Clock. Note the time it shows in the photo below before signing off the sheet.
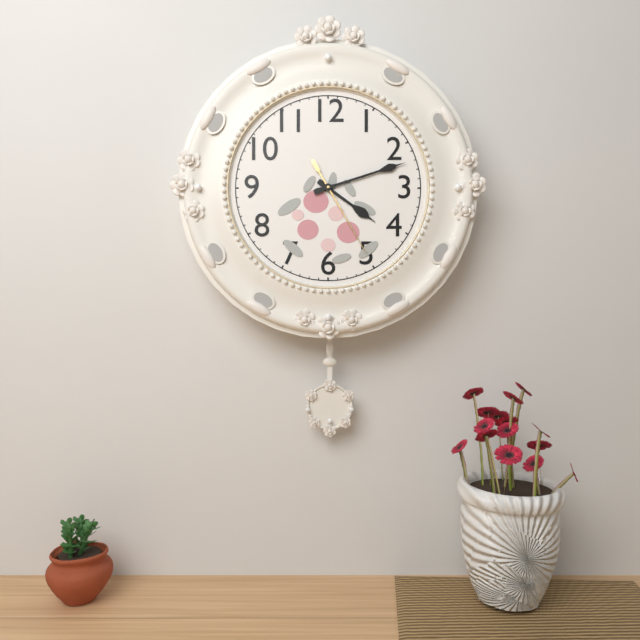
4:12:25
